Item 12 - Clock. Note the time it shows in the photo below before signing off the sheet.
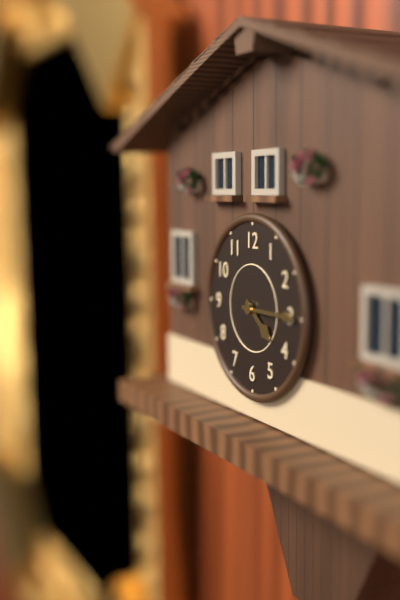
4:15
